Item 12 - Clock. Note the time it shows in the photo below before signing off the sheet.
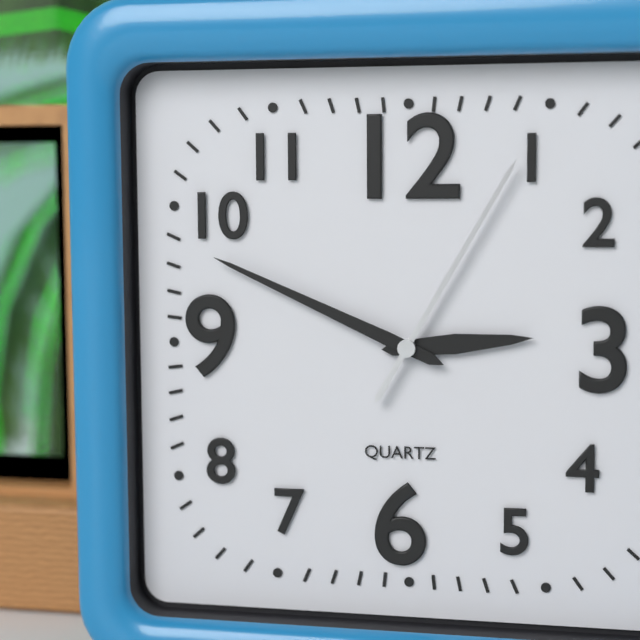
2:49:05
